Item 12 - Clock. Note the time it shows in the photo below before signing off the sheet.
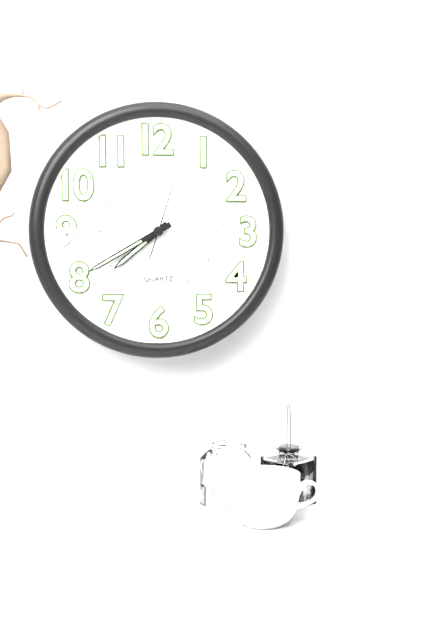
7:40:03
